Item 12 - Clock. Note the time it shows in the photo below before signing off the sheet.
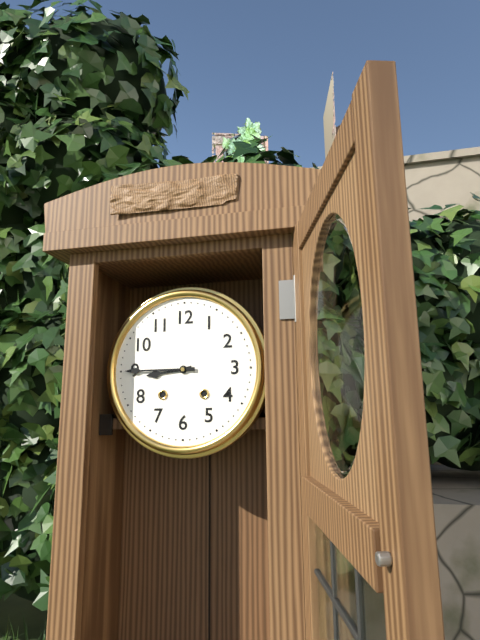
8:45
